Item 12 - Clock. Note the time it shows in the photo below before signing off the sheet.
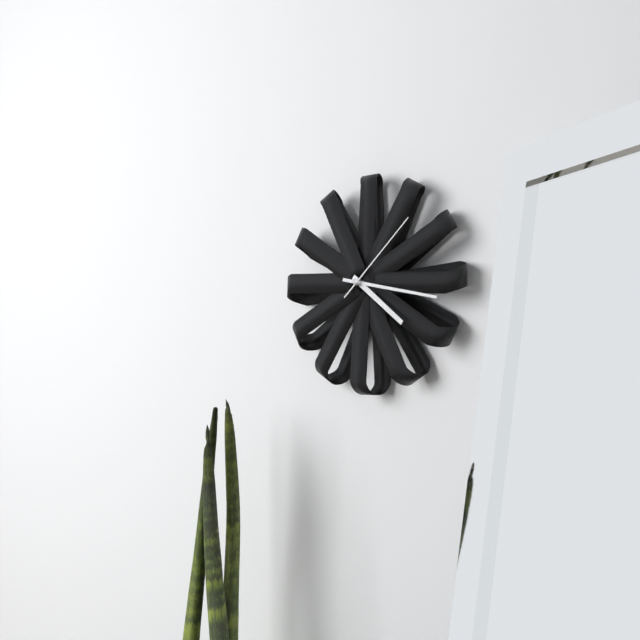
4:17:08
